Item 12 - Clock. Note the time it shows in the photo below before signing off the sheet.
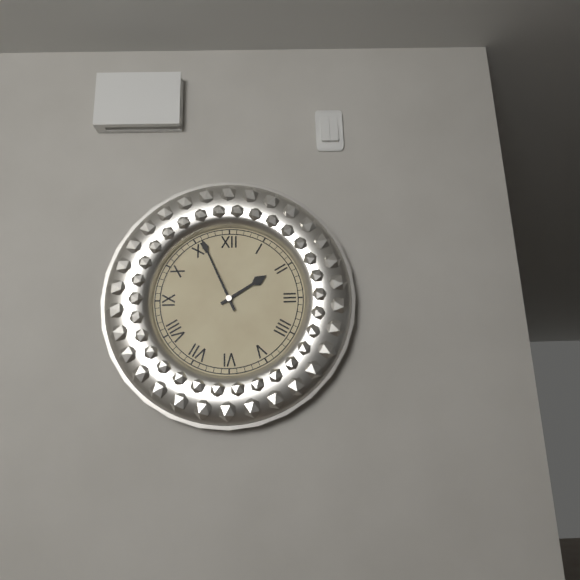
1:56
